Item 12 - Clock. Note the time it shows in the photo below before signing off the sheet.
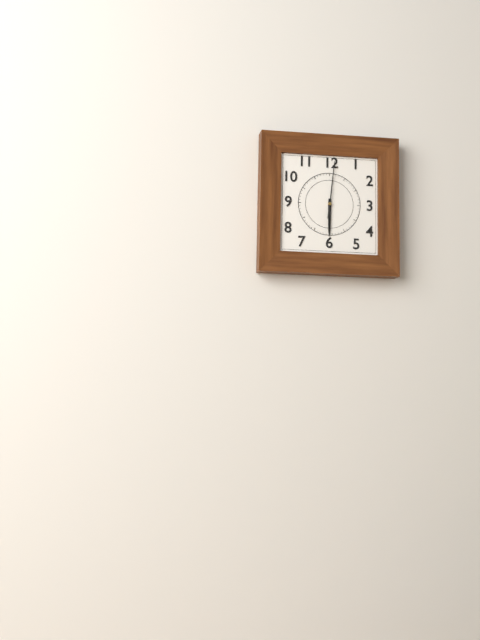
6:01
